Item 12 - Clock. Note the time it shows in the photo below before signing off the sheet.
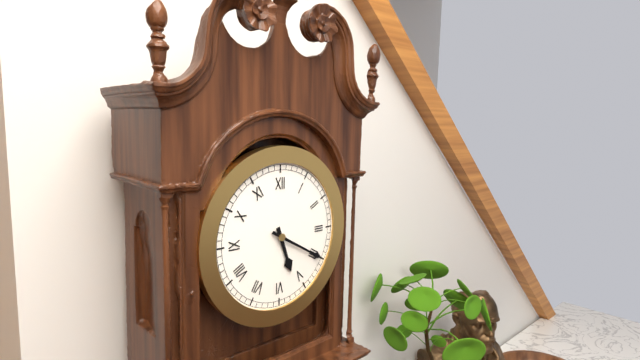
5:20
